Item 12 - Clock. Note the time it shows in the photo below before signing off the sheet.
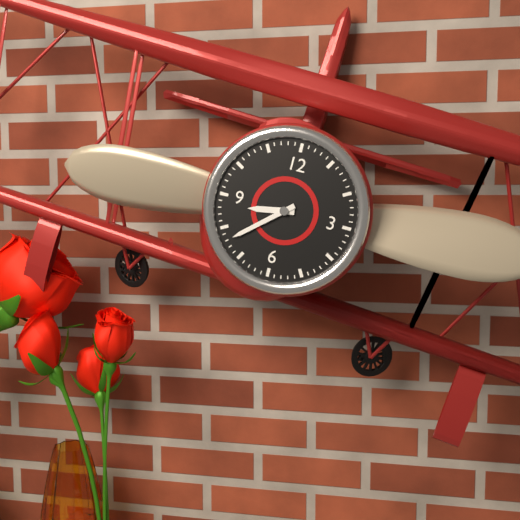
8:38
